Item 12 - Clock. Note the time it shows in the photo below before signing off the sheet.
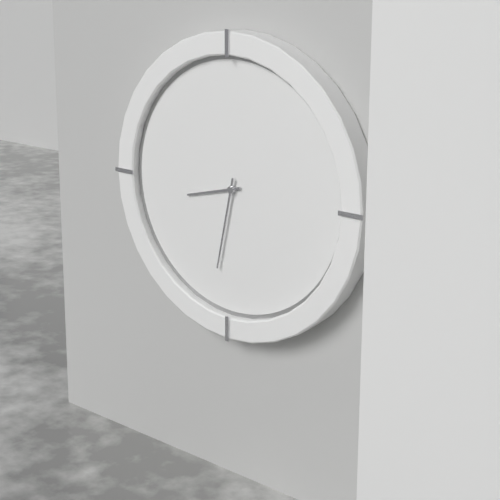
8:32
